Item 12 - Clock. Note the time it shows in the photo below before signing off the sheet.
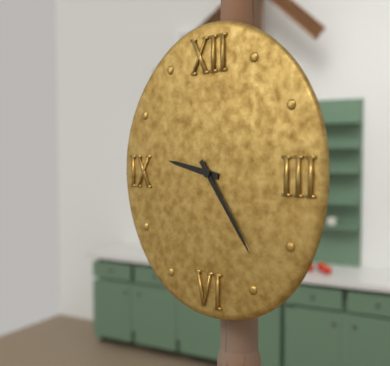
9:24
